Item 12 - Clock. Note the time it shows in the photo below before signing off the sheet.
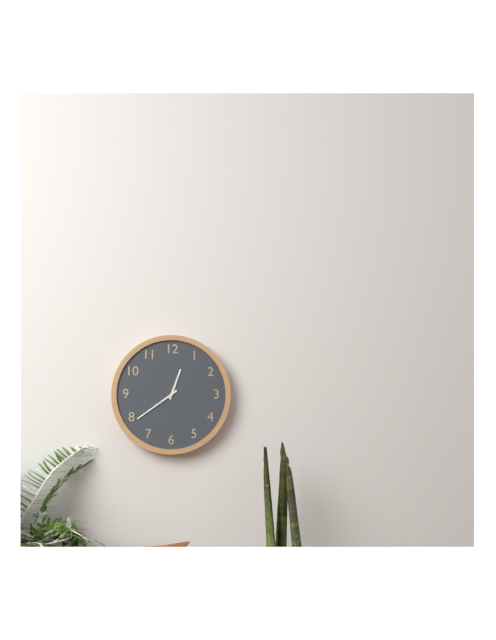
12:39
